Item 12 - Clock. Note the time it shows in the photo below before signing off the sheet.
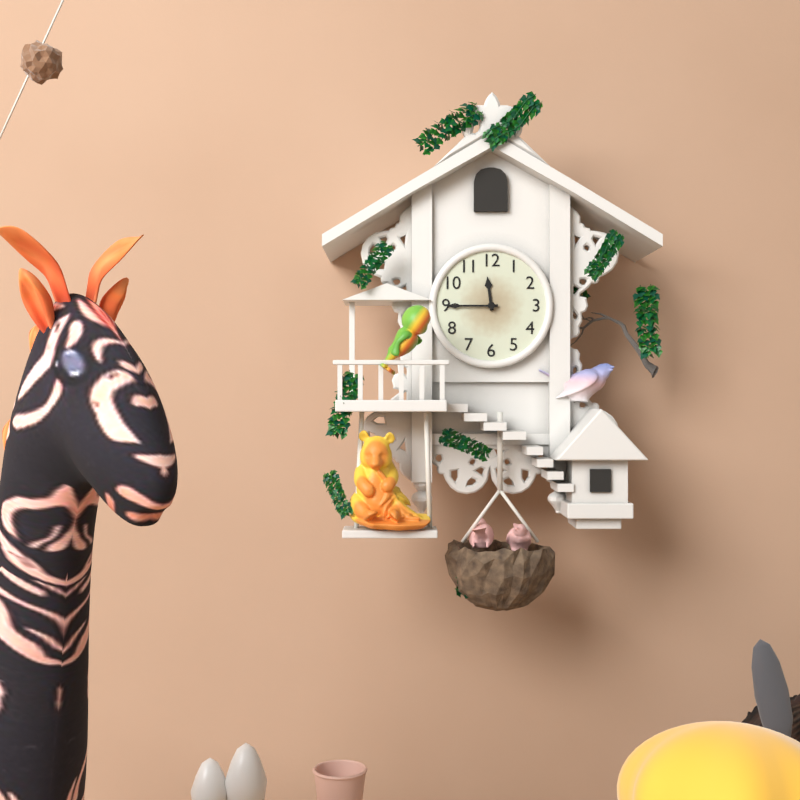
11:45
